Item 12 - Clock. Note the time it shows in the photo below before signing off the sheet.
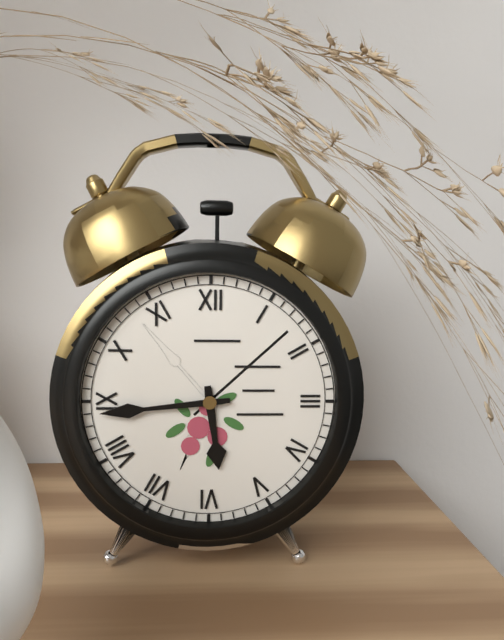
5:44
